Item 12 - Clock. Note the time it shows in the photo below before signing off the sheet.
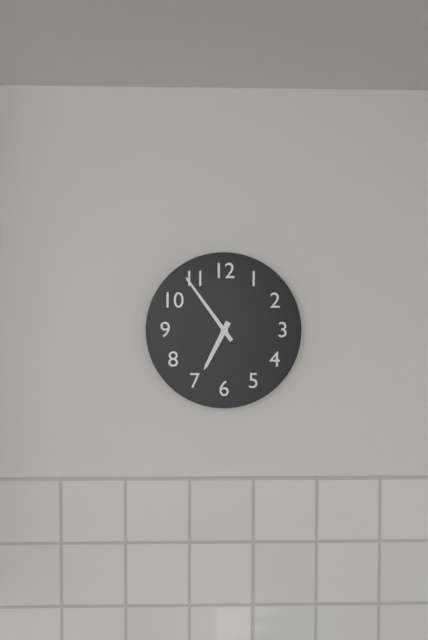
6:54
